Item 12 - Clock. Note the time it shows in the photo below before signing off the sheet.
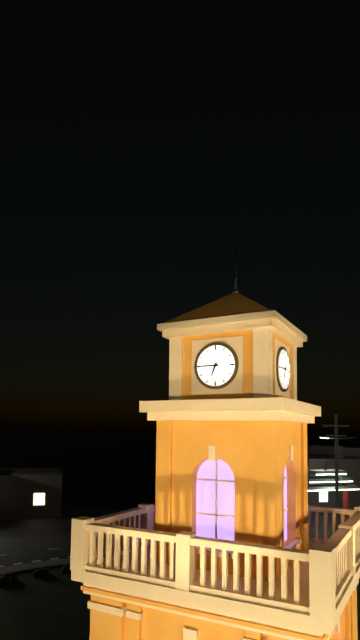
6:45
